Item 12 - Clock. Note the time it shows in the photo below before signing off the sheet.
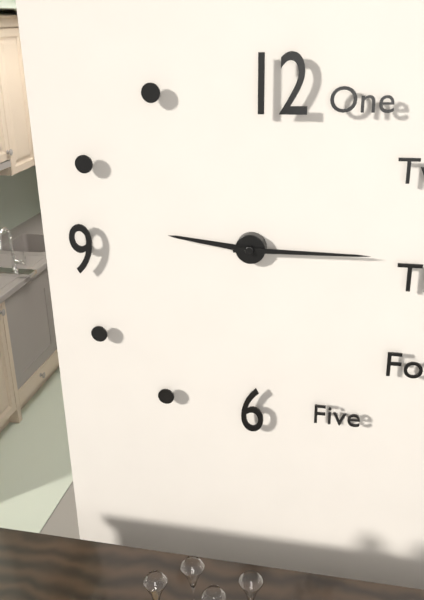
9:15
